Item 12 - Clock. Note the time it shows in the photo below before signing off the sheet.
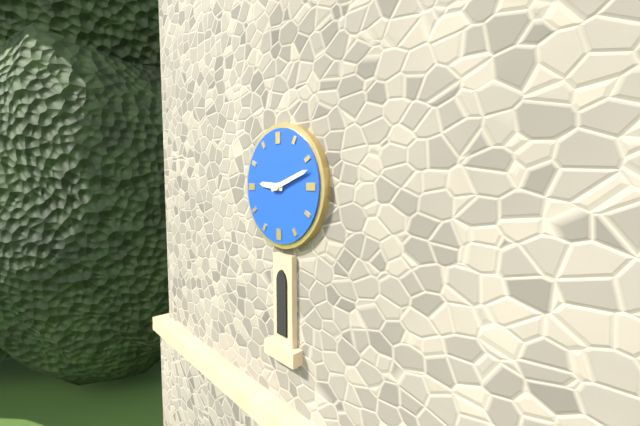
9:12
